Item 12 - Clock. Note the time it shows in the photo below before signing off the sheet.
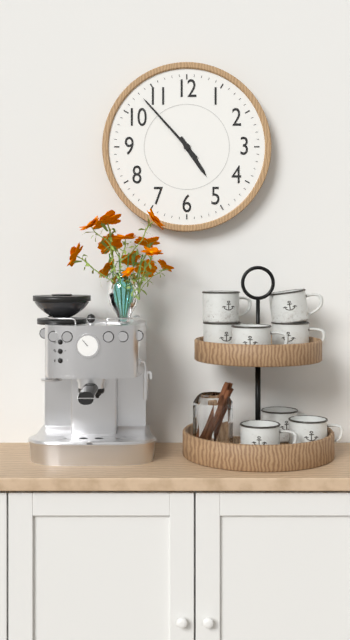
4:53
